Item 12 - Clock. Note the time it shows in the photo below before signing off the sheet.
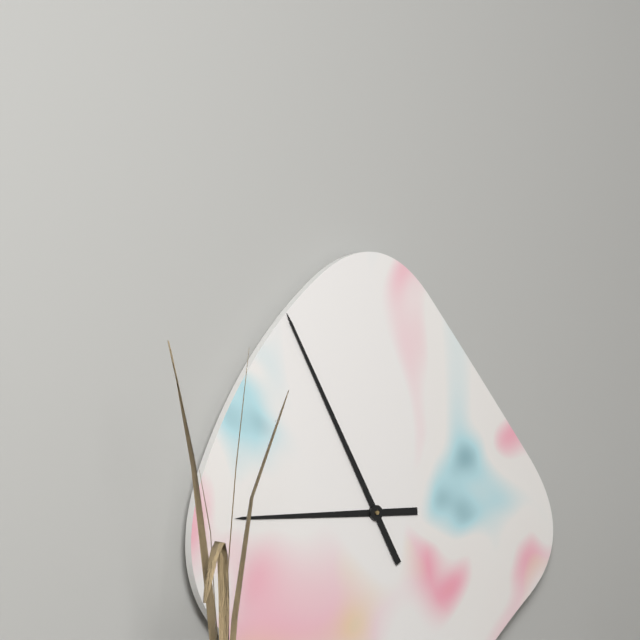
8:55
